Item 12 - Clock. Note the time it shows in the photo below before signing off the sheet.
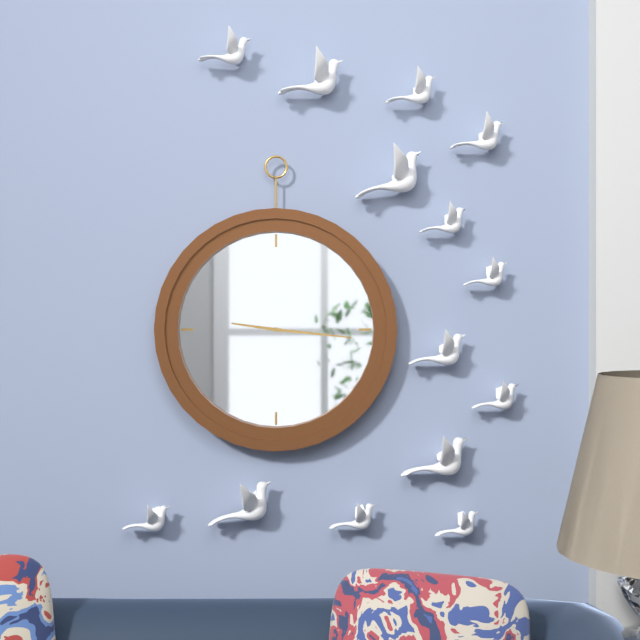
9:16
